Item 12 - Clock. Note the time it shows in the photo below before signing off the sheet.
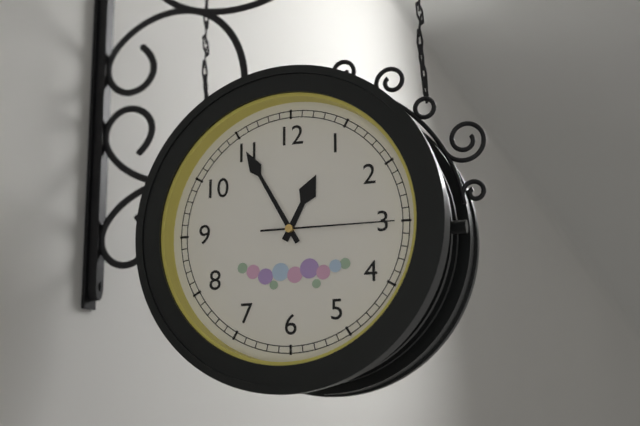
12:55:15
